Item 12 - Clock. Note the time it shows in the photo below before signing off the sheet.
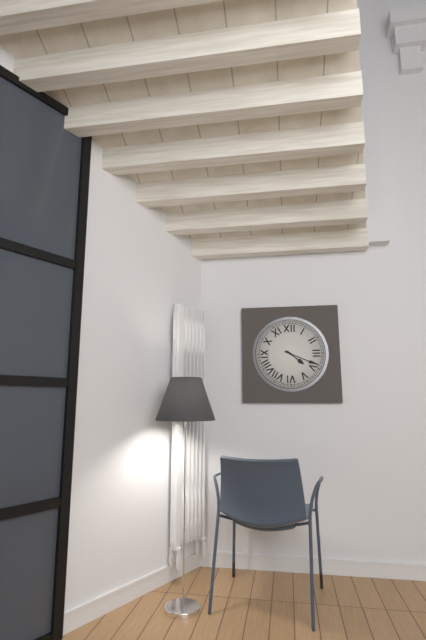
4:19
